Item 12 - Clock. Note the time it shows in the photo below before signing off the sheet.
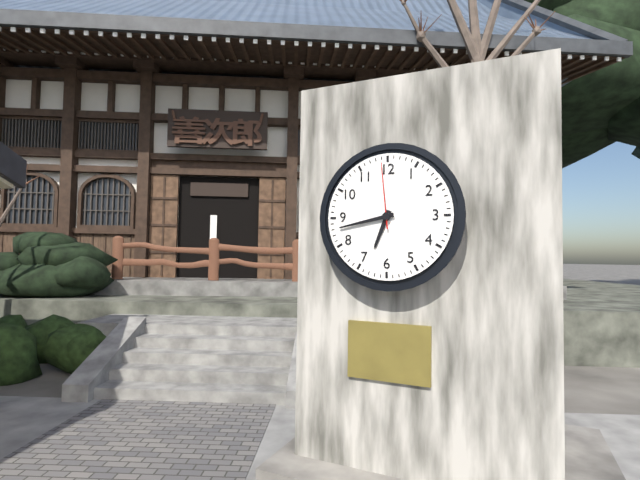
6:43:59
